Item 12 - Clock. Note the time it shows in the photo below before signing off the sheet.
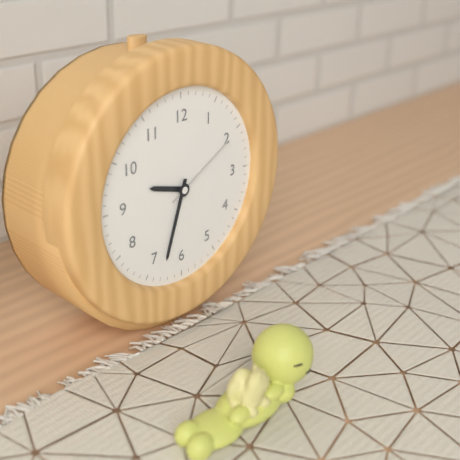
9:33:10
